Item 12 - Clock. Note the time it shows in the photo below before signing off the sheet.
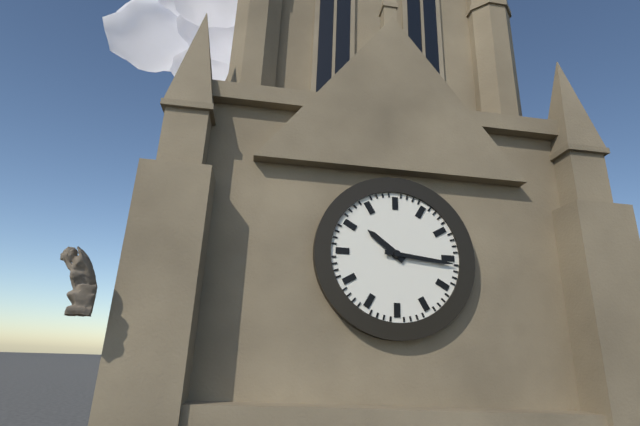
10:16
